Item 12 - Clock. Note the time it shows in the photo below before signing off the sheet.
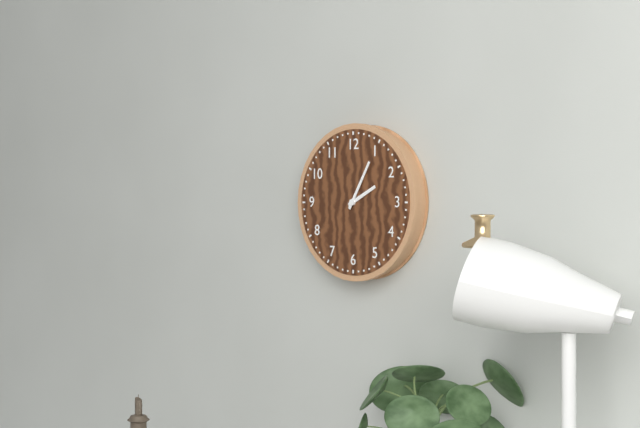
2:05
